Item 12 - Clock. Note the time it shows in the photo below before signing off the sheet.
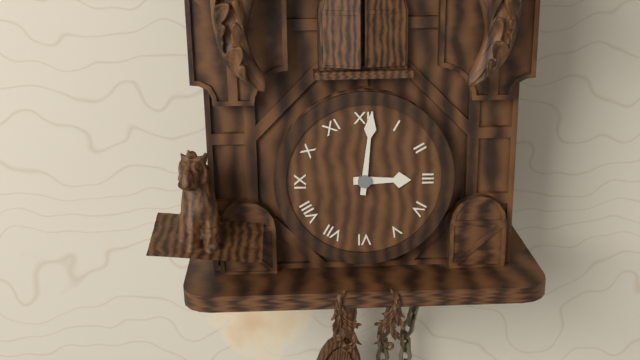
3:01
